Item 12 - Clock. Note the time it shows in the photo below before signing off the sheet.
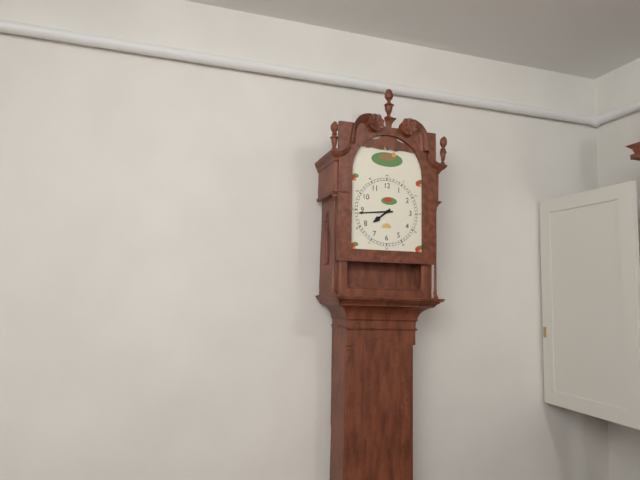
7:44
